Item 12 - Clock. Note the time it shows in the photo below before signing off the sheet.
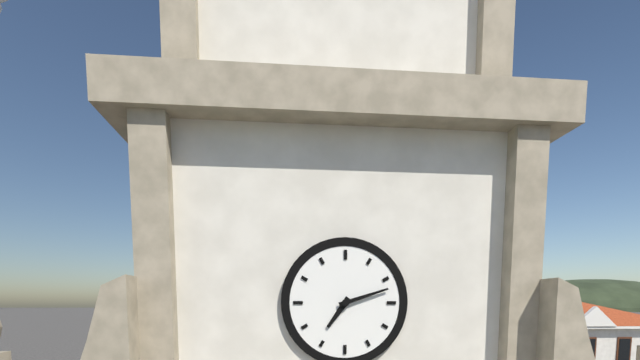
7:12
